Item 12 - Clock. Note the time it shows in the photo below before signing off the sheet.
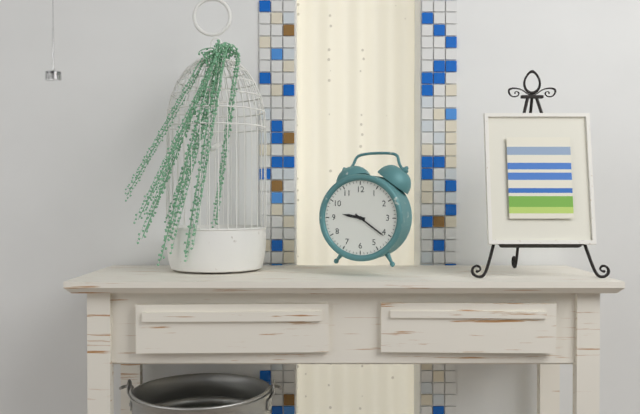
9:21
